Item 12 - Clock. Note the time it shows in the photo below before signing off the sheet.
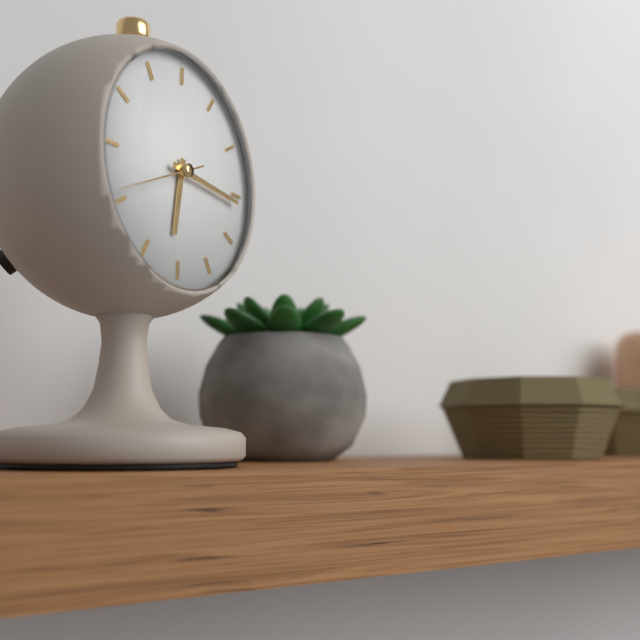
6:16:41
